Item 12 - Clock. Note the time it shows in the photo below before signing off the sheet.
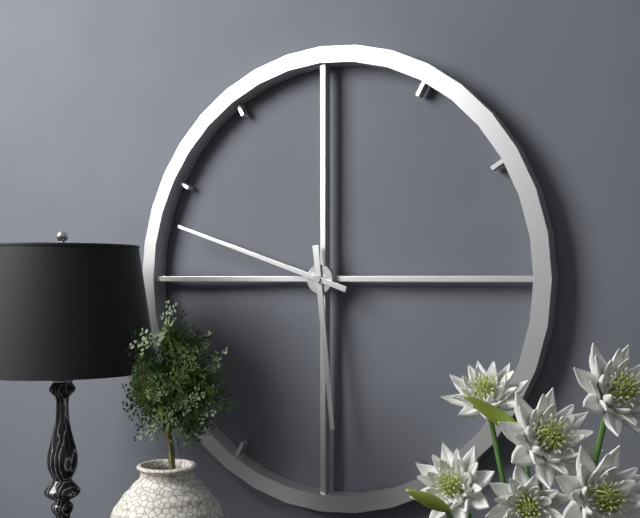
5:48
